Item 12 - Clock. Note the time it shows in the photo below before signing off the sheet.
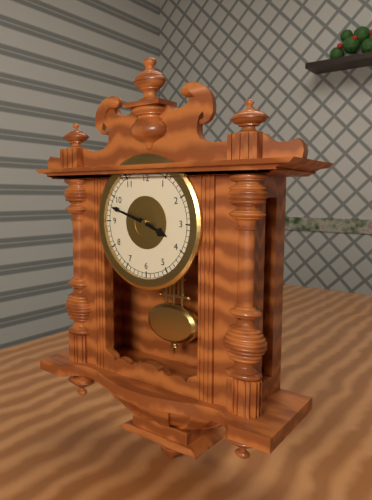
3:48
